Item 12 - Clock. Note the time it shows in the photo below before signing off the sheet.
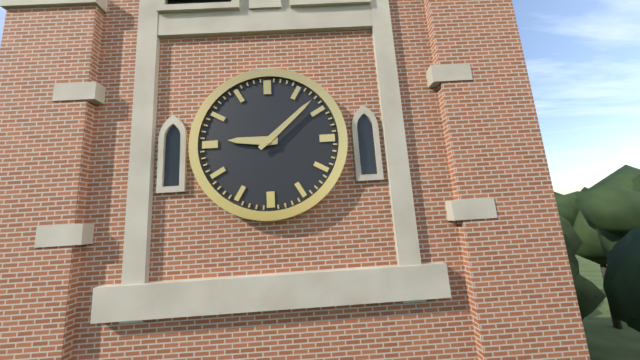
9:08
